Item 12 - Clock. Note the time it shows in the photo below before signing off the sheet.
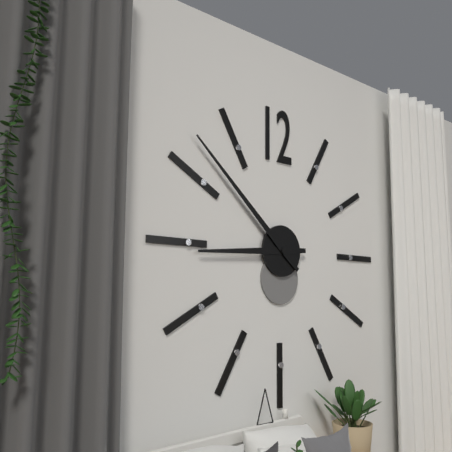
8:52
